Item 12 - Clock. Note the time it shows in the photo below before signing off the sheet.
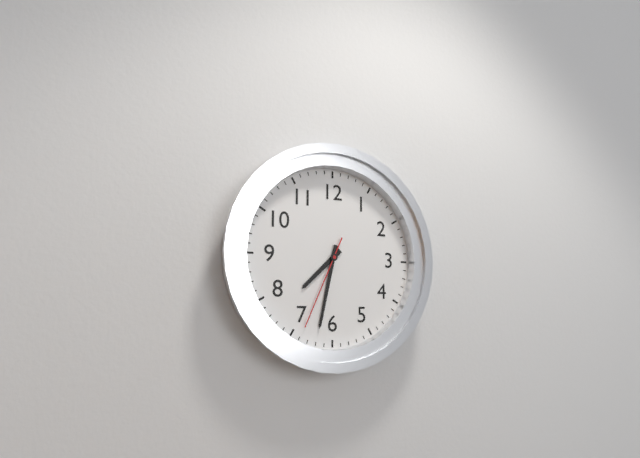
7:32:34
